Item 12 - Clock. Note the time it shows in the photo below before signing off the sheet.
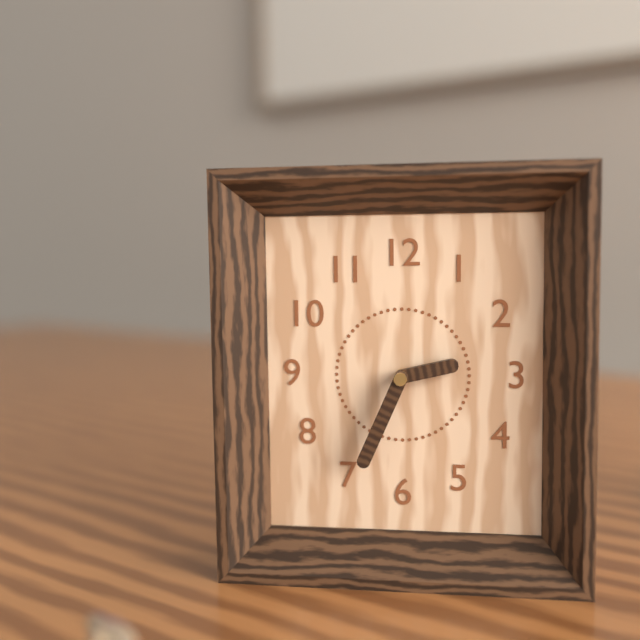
2:34
